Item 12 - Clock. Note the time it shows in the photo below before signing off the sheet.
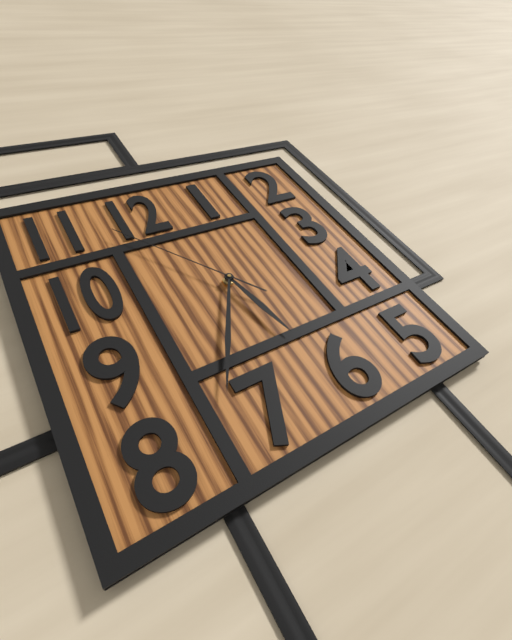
5:35:54
